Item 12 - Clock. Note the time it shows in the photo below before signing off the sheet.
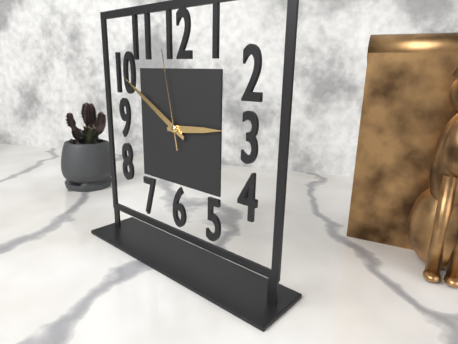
2:50:58
